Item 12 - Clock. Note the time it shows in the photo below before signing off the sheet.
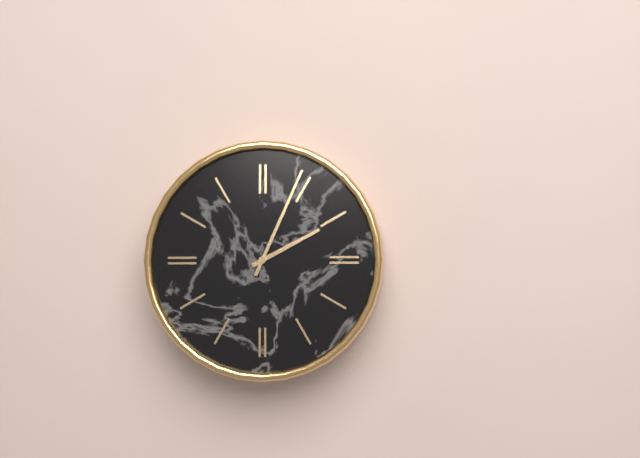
2:04
